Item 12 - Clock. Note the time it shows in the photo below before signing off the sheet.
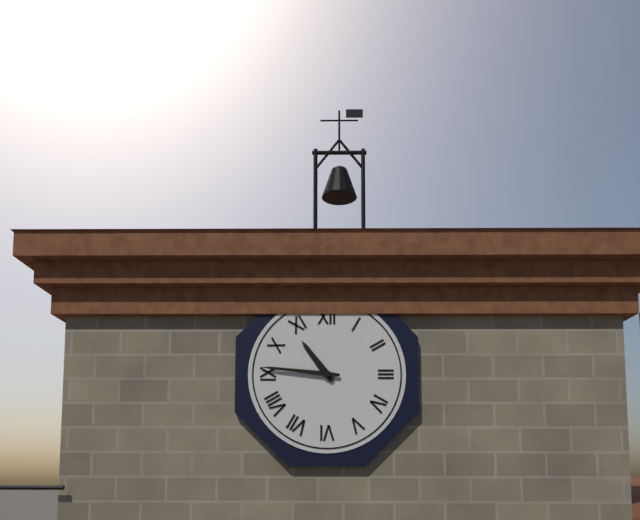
10:46
